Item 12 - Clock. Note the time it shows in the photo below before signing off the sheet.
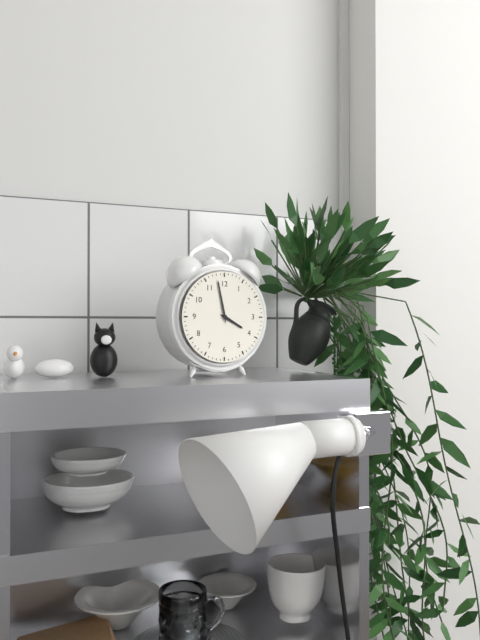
3:58
